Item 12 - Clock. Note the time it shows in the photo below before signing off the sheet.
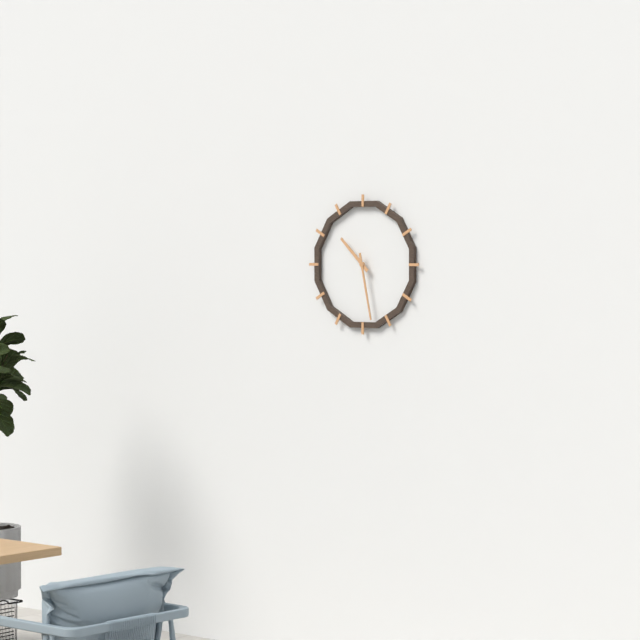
10:28
